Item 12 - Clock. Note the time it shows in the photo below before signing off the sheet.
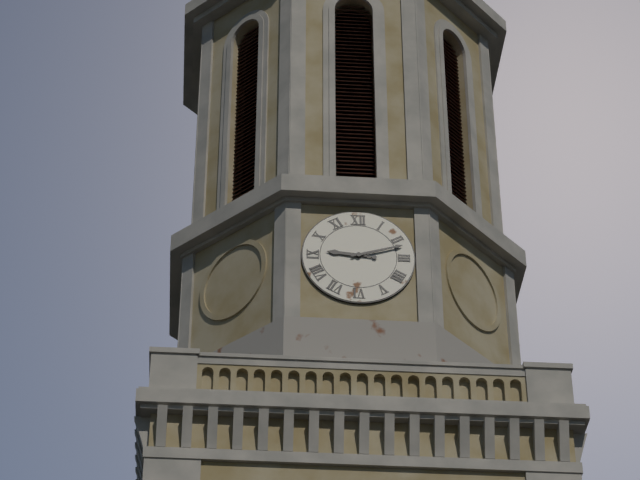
9:12
